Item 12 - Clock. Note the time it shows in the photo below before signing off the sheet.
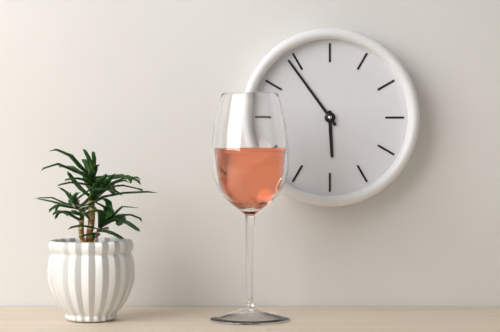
5:54
